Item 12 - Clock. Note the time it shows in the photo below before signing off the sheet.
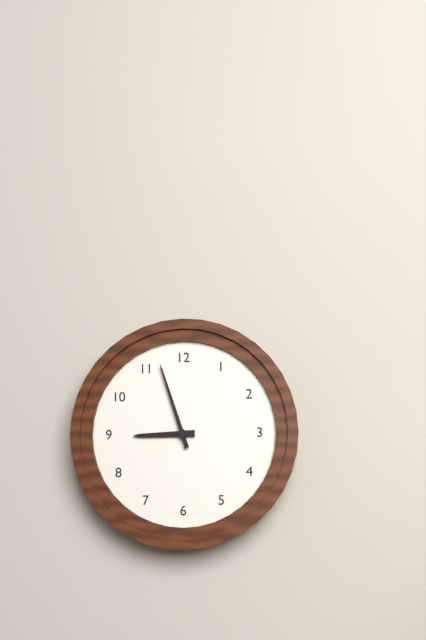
8:57
